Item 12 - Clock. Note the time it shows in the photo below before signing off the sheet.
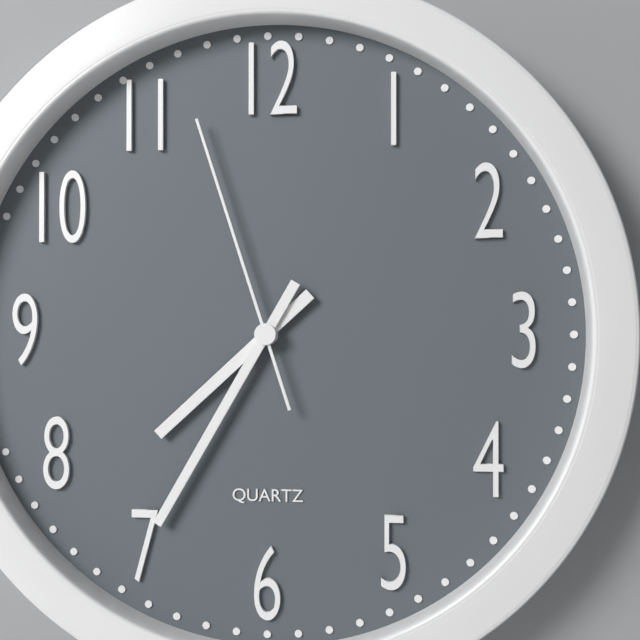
7:35:57
